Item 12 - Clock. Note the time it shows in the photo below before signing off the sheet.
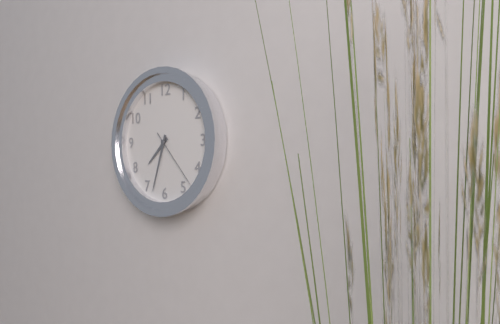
7:33:23
